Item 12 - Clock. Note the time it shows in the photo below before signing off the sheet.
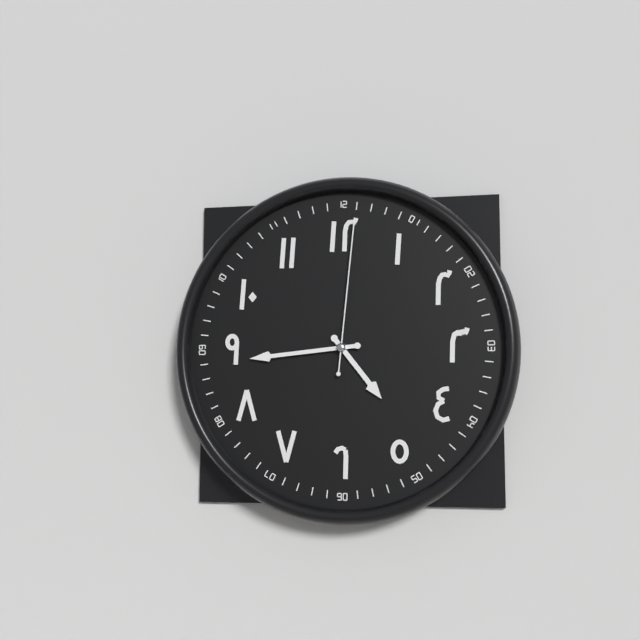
4:44:01
